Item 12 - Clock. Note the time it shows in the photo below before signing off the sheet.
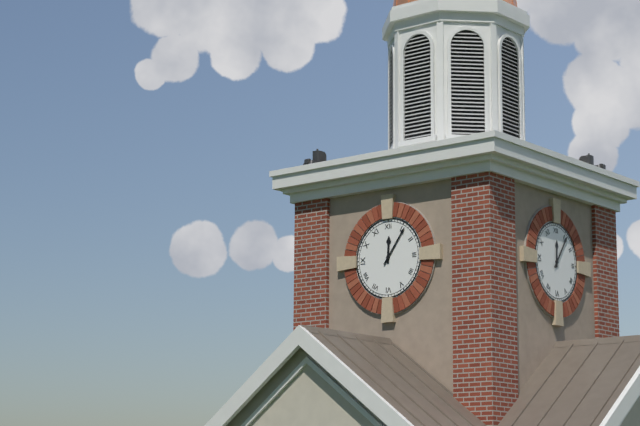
12:06
